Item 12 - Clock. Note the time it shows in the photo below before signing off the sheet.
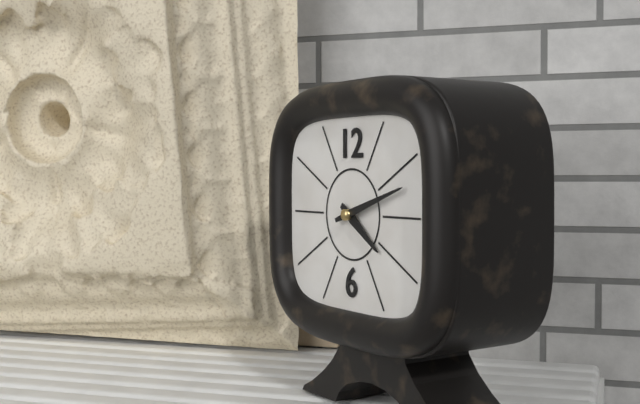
4:12
